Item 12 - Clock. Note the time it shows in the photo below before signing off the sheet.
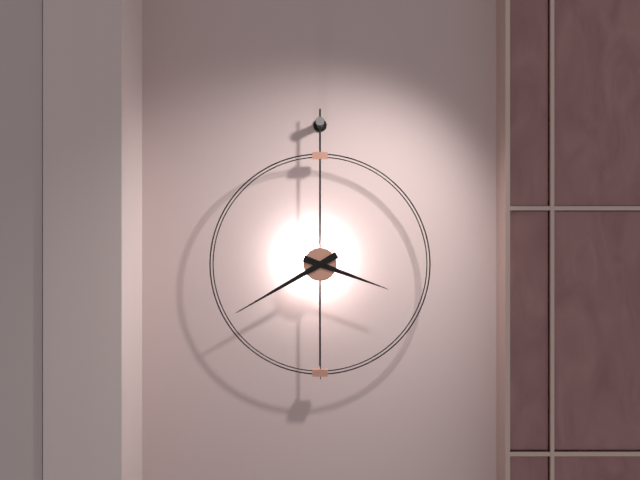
3:40
